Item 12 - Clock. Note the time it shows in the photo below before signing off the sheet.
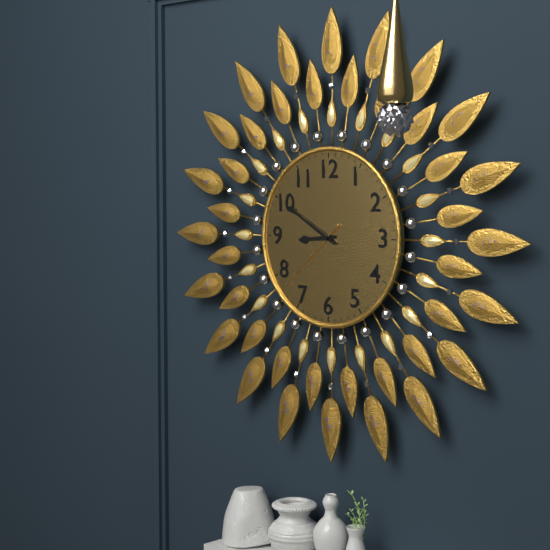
8:50:38
